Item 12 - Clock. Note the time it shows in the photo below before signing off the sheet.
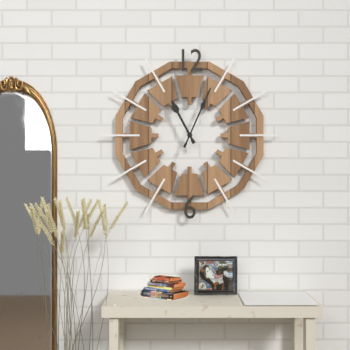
11:04
